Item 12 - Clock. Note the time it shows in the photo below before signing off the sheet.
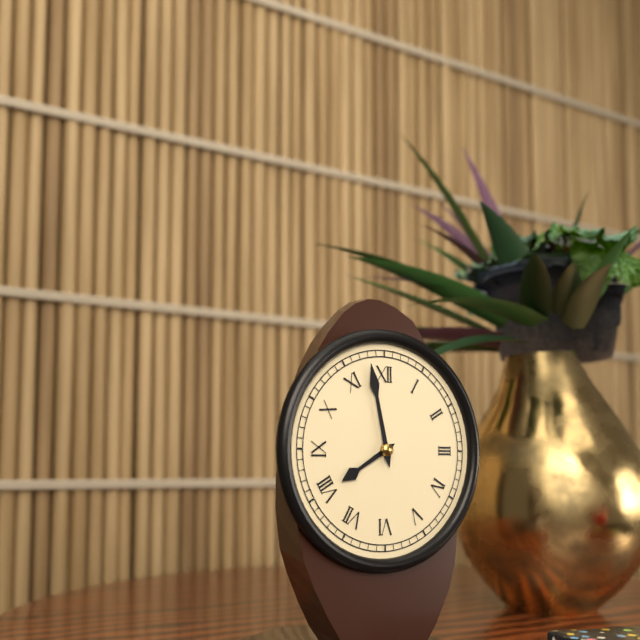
7:58
